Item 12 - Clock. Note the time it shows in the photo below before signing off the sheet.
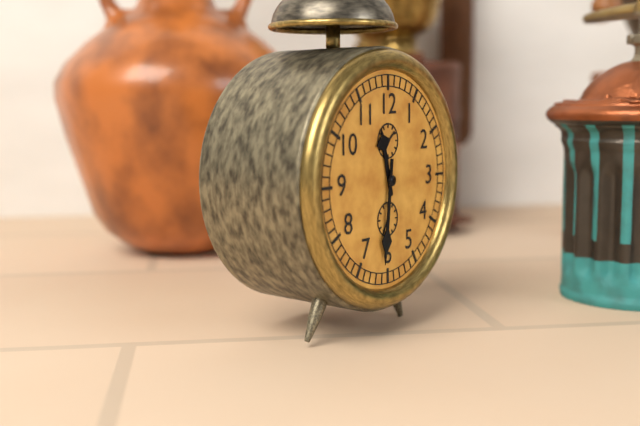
11:31
